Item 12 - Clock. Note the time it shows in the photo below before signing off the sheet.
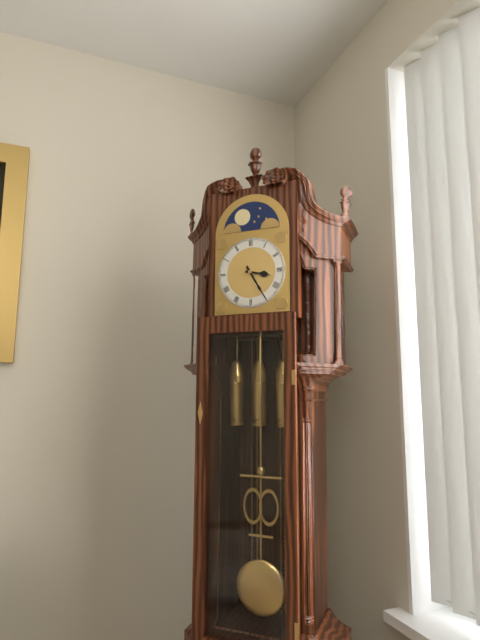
3:25
